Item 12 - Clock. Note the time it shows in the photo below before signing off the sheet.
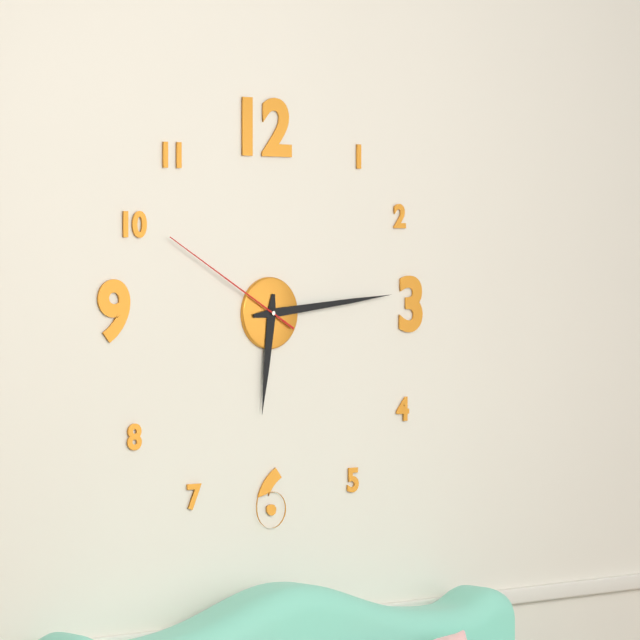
6:14:50
